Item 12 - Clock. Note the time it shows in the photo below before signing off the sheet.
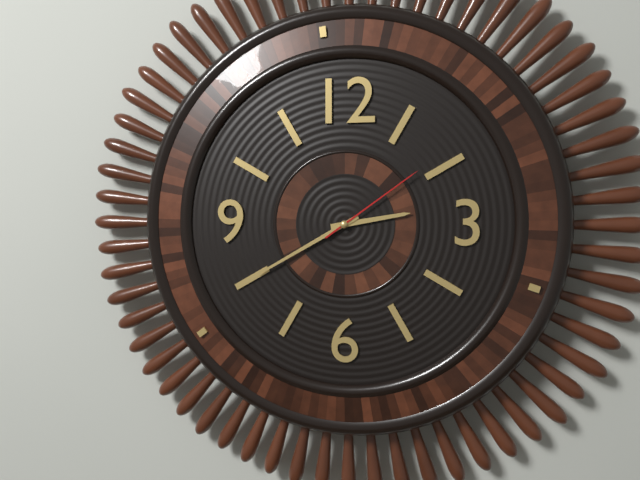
2:40:09
